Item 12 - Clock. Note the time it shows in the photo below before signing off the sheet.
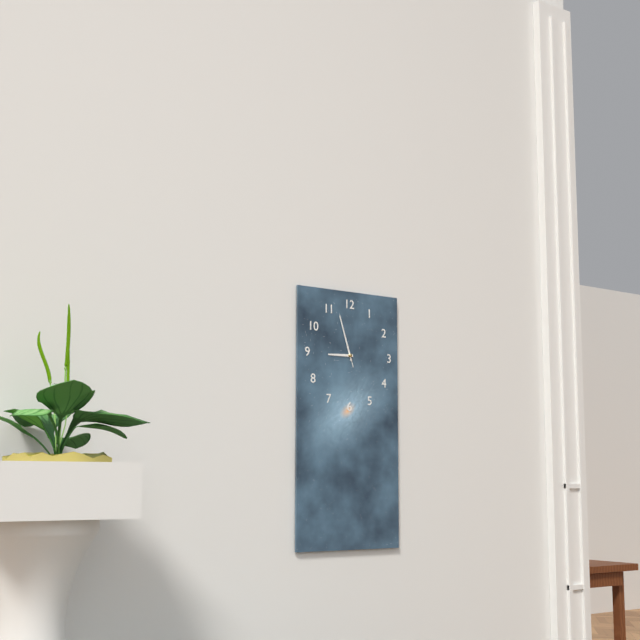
8:57:57
